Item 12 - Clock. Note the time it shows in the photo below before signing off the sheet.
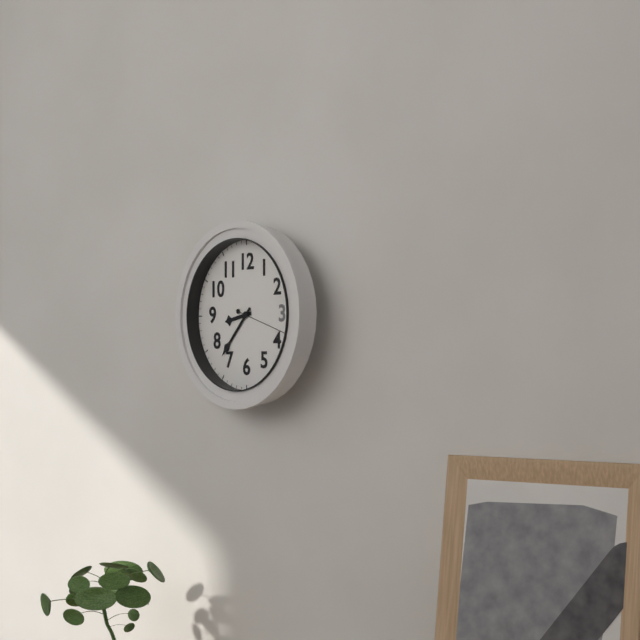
8:37:18
